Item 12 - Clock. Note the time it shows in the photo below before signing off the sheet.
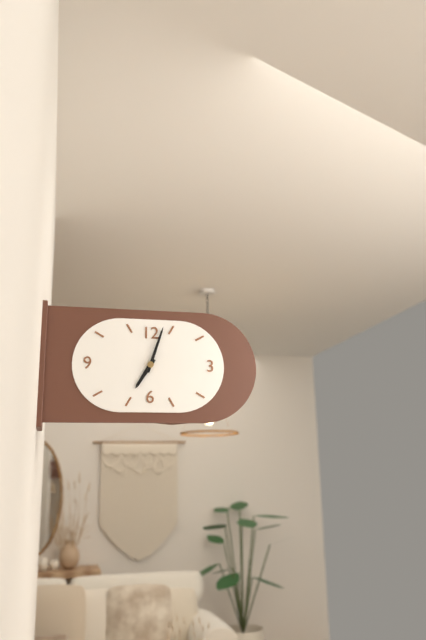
7:03
